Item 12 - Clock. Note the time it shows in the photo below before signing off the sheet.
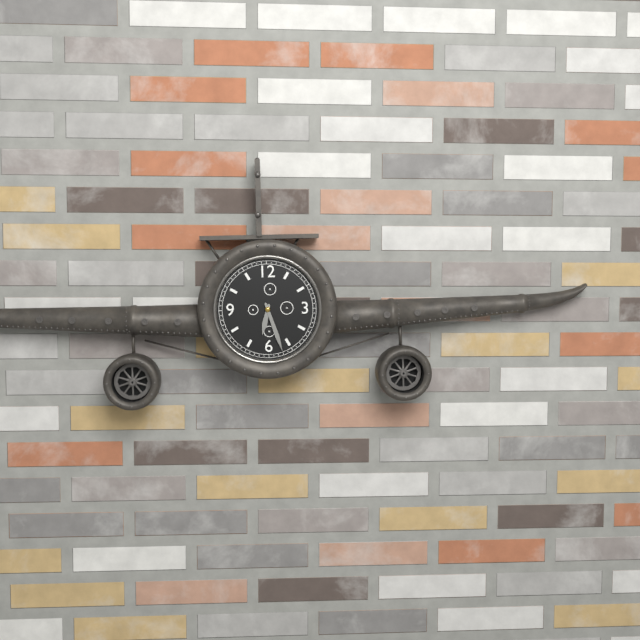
6:27
